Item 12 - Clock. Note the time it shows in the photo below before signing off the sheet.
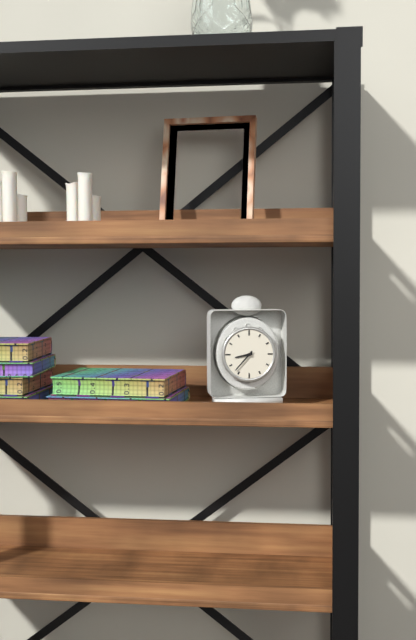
8:37
